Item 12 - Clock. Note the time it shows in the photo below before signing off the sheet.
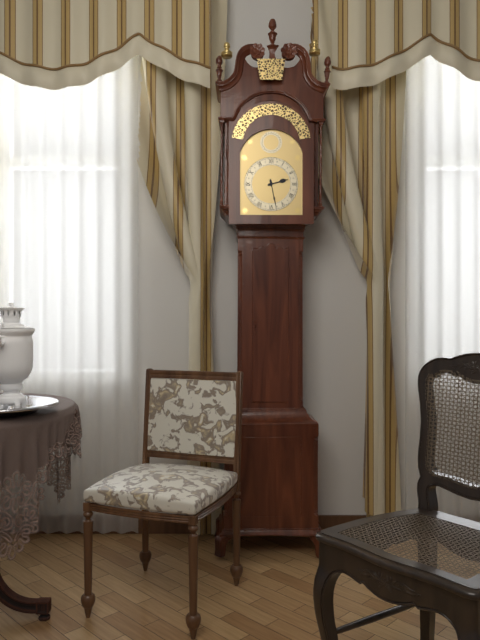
2:28
